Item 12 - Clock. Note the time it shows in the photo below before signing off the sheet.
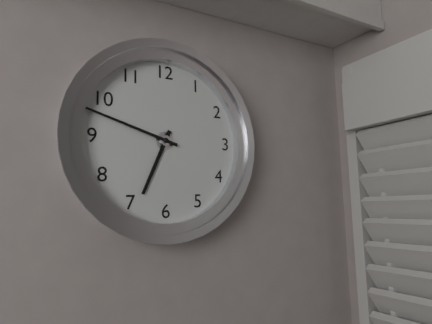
6:48
